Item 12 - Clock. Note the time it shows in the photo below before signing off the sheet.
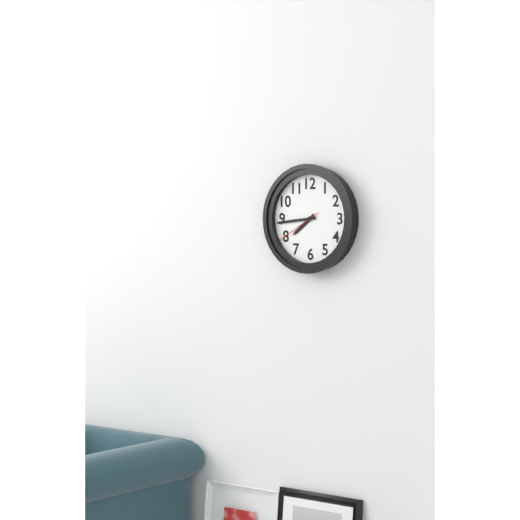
7:44
